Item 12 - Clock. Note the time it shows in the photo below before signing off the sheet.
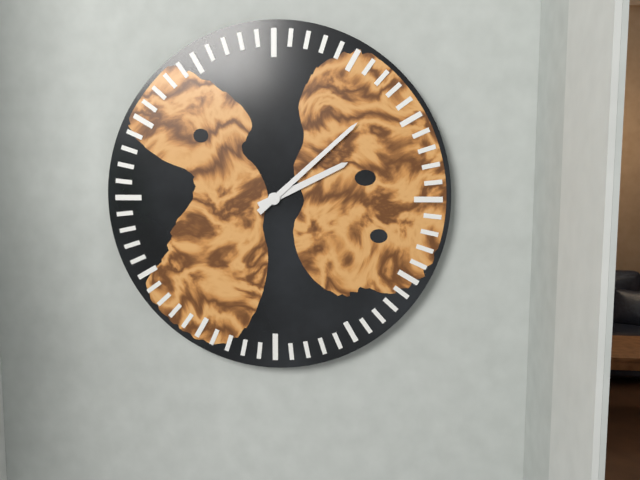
2:08
